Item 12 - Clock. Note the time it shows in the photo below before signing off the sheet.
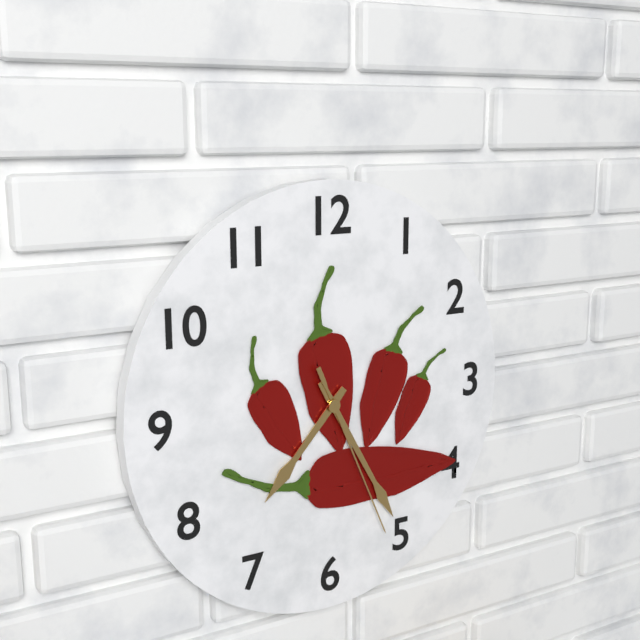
7:25:26
